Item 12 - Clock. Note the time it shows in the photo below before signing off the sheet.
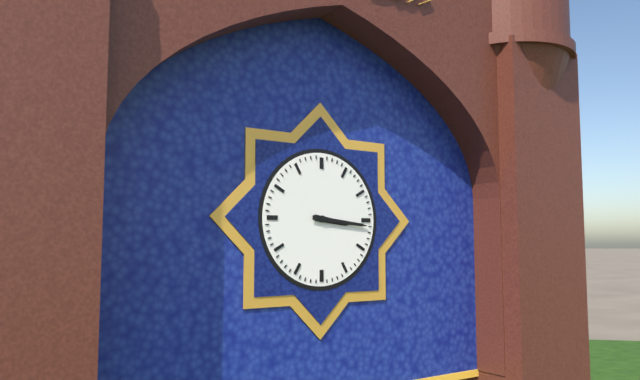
3:16
